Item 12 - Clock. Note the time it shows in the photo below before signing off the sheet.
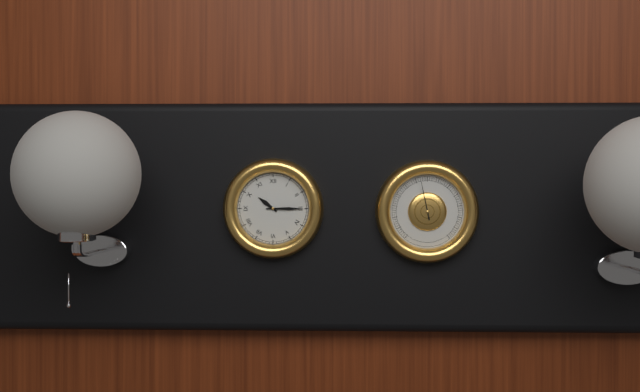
10:15
